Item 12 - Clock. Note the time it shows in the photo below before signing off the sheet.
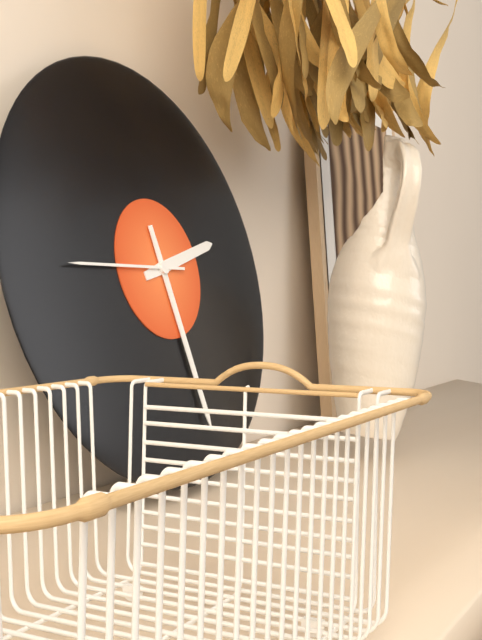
2:28:45
